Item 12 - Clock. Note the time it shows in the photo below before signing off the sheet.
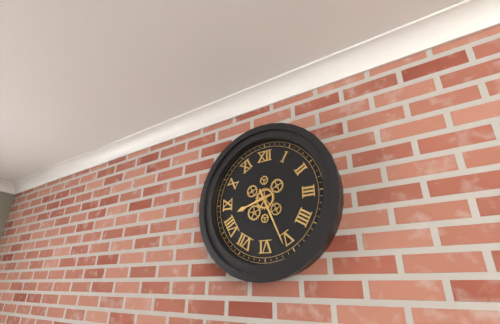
8:26
